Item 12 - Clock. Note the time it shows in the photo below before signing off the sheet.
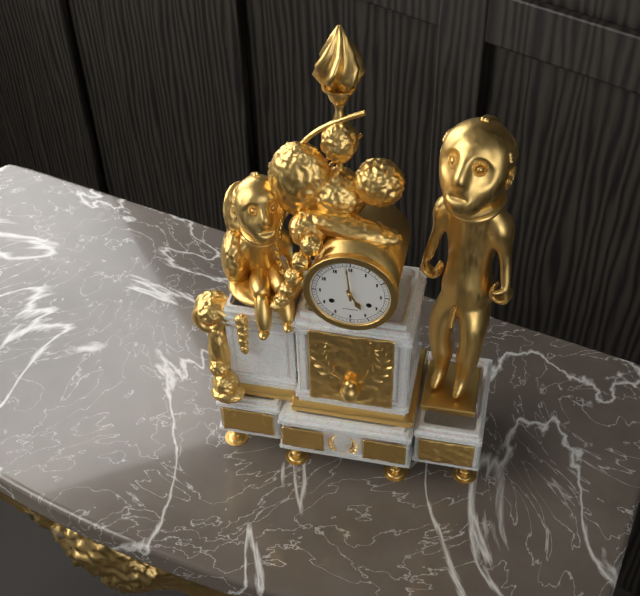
4:59
